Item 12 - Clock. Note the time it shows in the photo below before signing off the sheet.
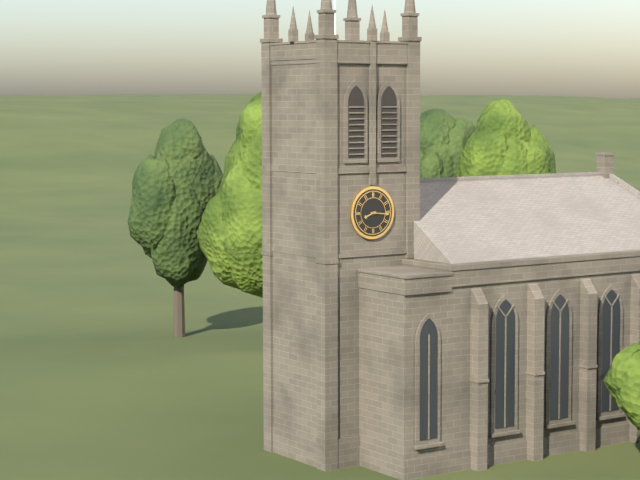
8:16
